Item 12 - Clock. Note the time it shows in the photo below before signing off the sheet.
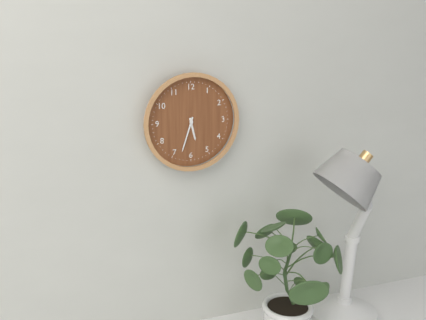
5:33
